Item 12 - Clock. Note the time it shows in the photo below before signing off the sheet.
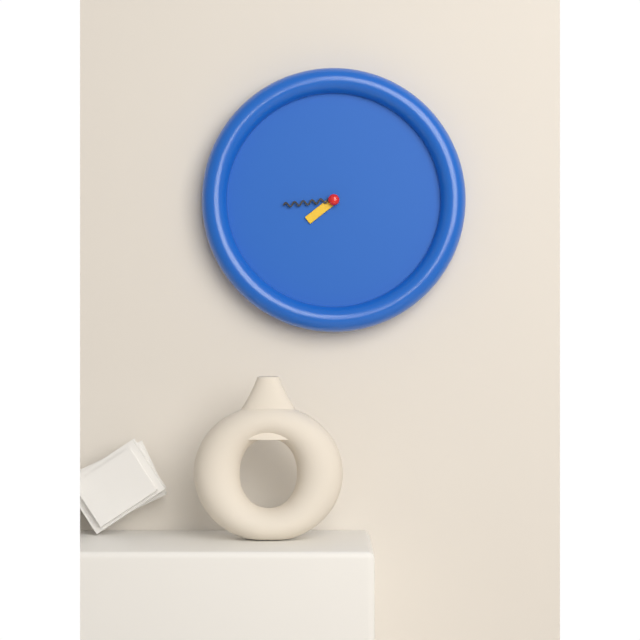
7:44
